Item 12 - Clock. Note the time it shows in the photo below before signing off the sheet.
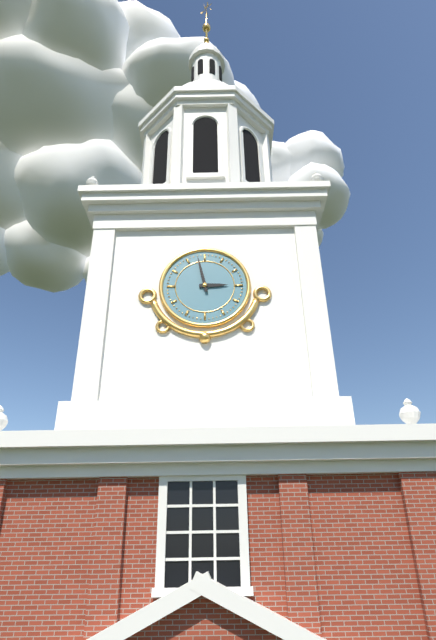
2:58
